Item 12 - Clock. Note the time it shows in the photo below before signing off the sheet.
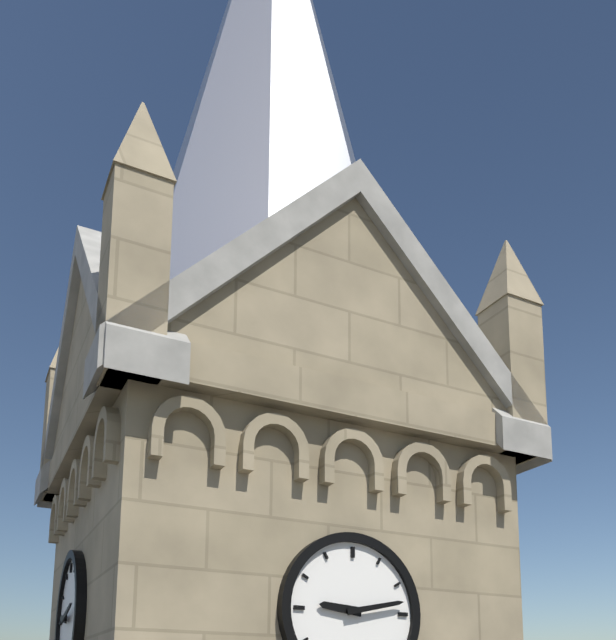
9:13
